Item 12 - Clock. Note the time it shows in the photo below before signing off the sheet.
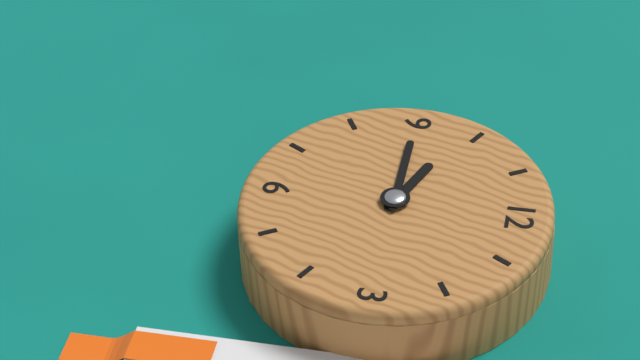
9:45
